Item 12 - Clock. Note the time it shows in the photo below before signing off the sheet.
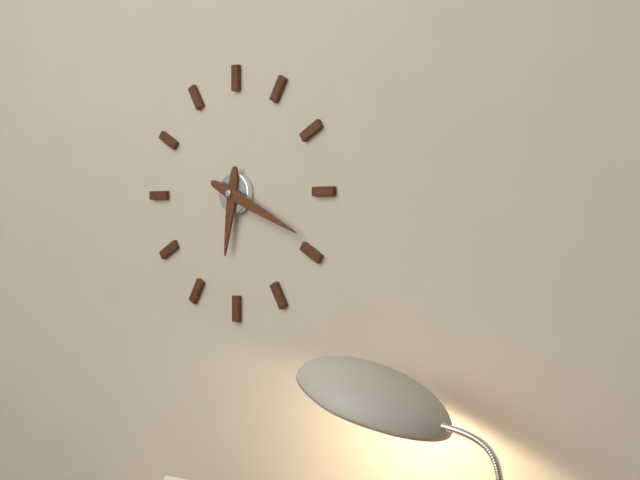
6:19
